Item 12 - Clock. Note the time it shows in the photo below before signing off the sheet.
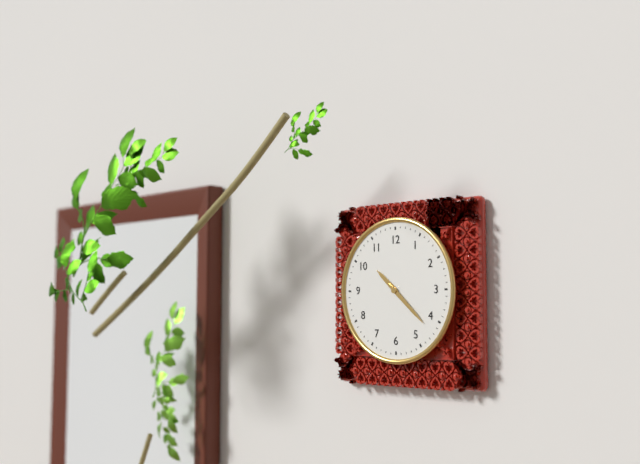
10:22
